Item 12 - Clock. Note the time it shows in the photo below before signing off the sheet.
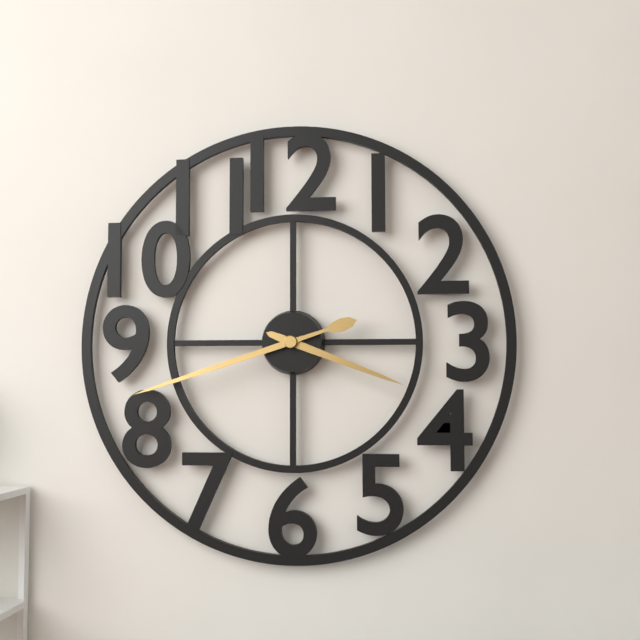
3:42
